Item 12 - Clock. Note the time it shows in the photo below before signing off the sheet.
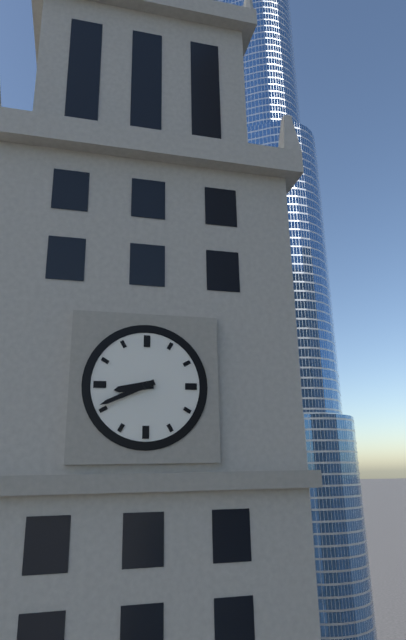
8:41
